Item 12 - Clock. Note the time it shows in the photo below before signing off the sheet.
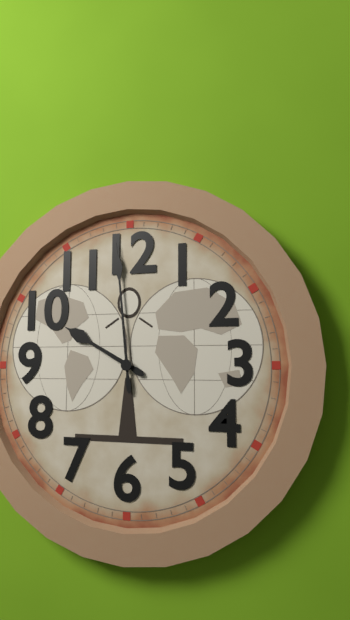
9:59
